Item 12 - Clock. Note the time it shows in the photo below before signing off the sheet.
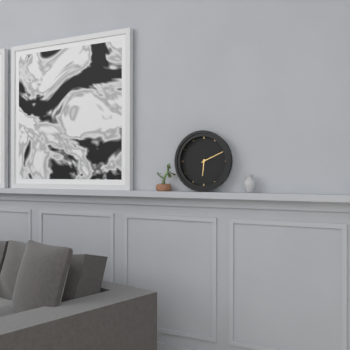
6:11
